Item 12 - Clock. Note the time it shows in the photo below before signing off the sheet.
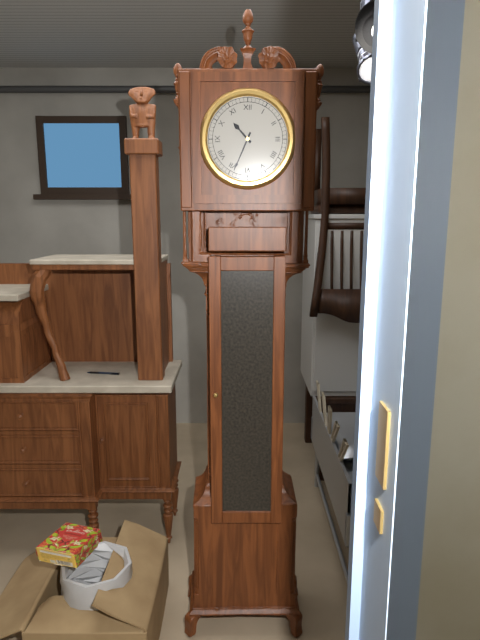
10:34
